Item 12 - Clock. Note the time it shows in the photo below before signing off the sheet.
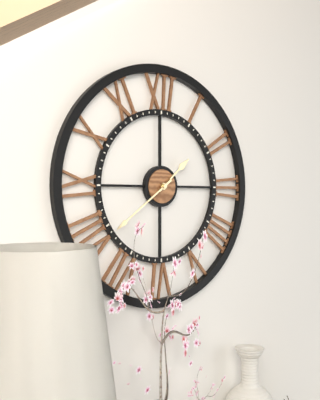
1:39
